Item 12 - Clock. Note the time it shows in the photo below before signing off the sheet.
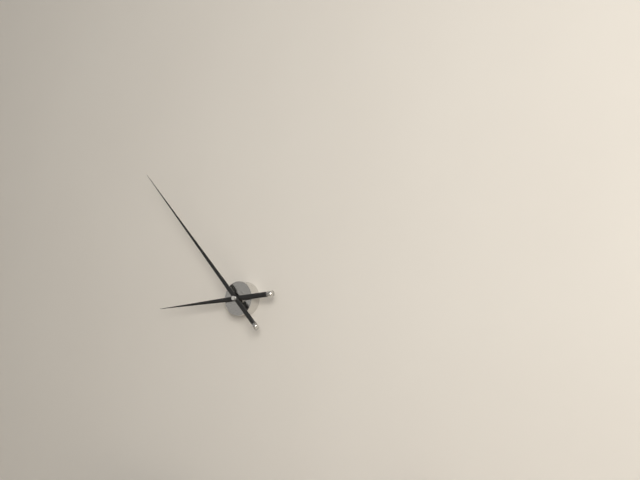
8:53
